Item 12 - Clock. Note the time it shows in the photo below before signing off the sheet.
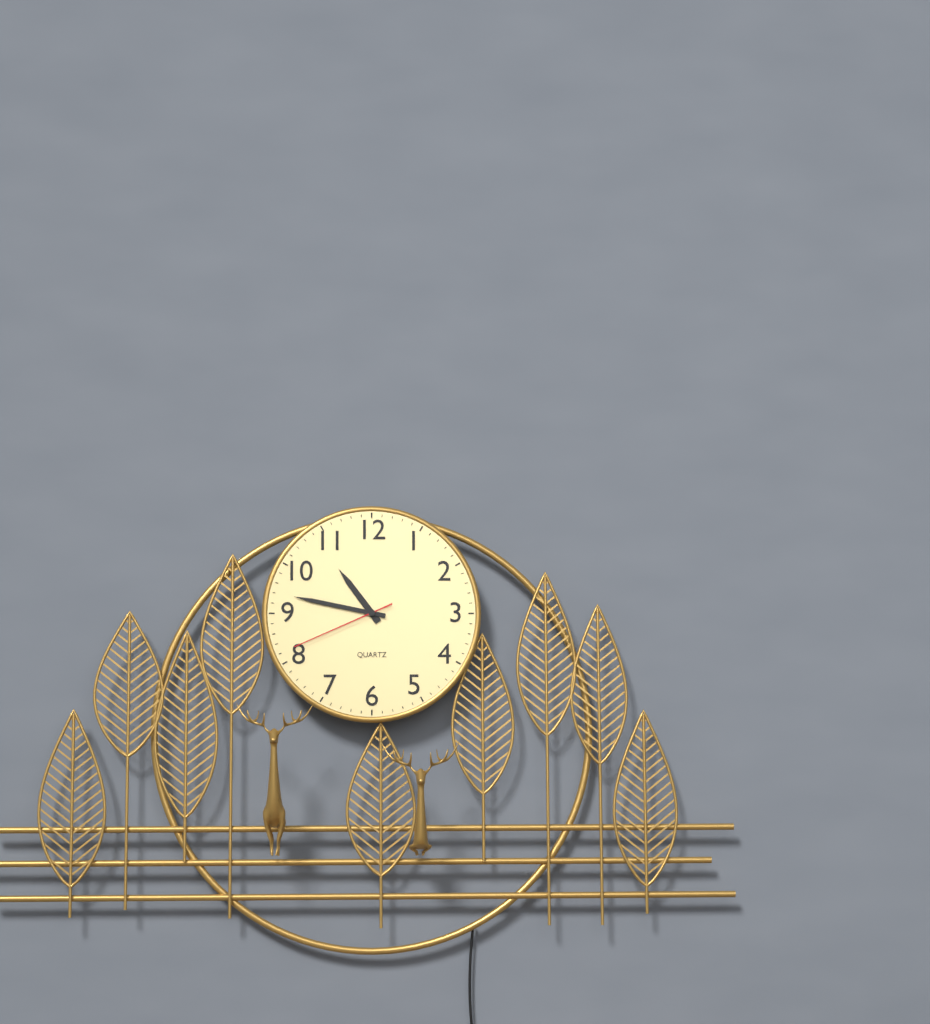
10:47:41
